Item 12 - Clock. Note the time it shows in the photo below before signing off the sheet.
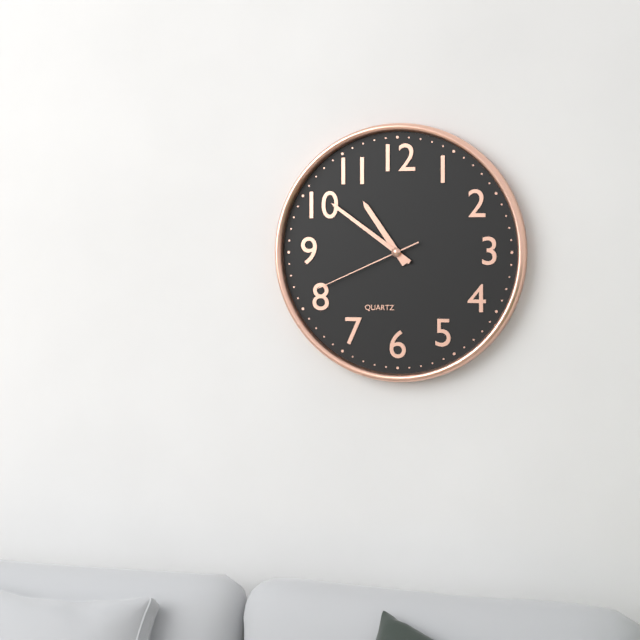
10:51:41
